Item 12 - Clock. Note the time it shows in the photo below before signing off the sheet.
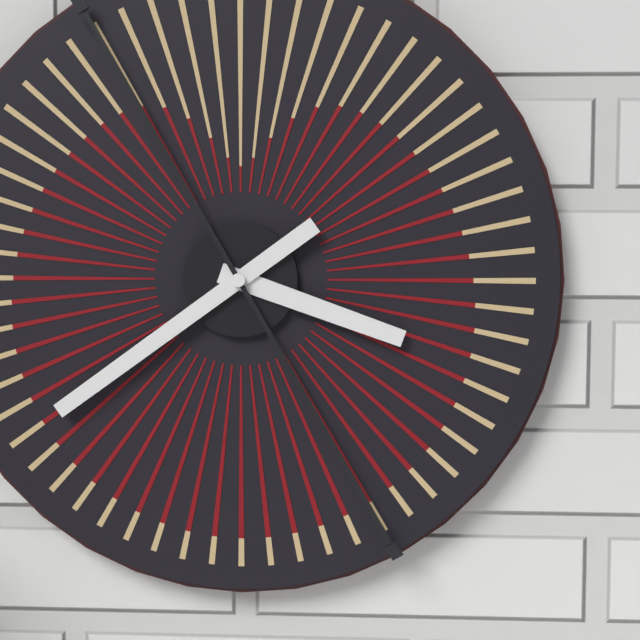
3:39
